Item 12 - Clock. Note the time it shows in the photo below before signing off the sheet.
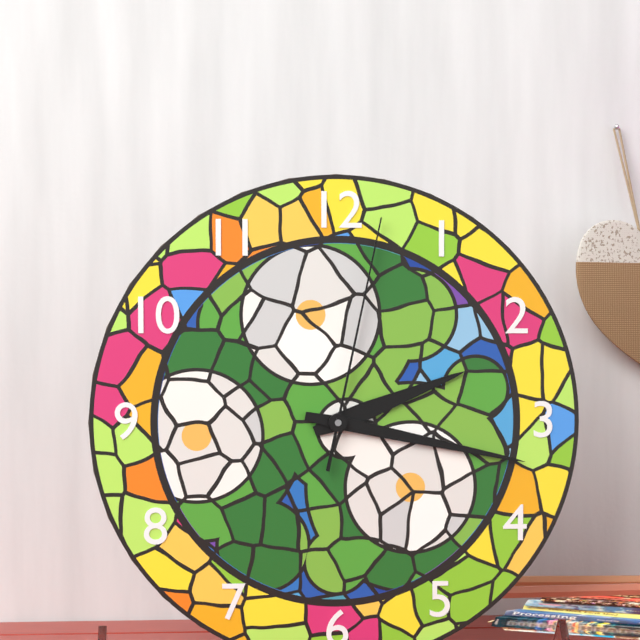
2:17:02
